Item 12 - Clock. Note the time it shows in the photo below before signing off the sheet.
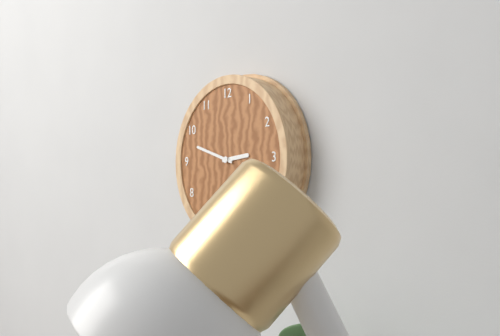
2:48
